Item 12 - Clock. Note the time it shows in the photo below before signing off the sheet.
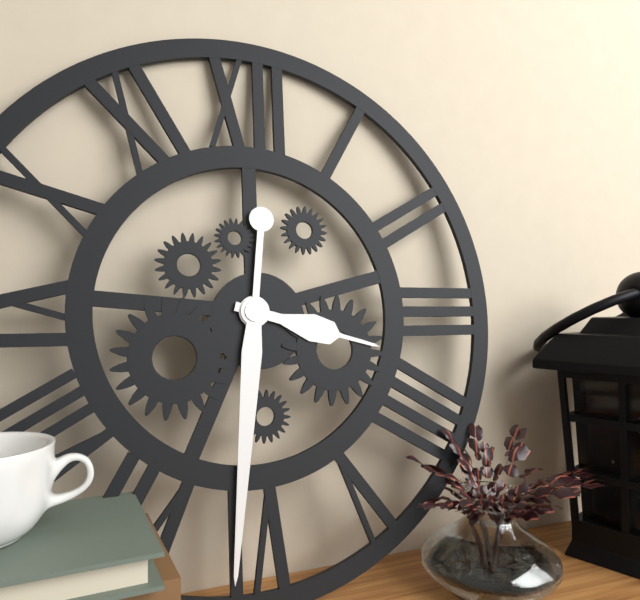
3:31
